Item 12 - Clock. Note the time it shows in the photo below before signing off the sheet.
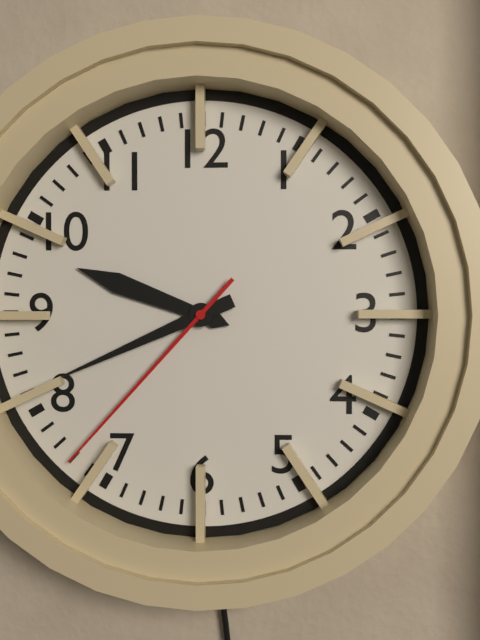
9:41:37
